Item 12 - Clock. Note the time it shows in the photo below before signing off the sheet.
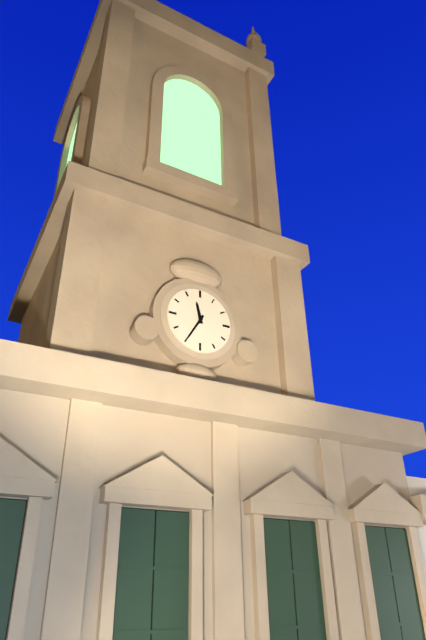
11:35
